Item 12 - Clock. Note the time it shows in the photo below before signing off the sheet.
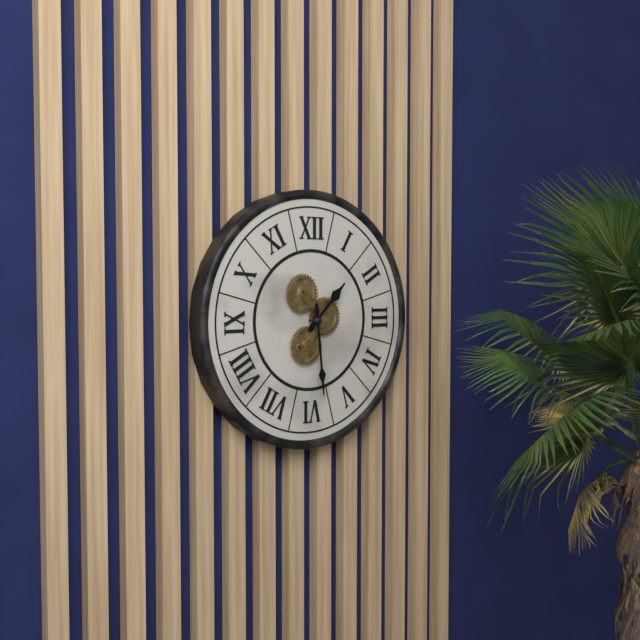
1:29
